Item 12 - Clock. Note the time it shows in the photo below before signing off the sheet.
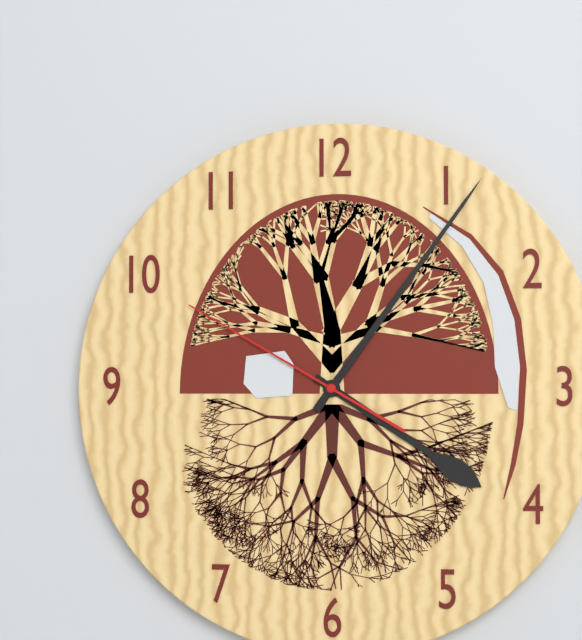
4:06:50
